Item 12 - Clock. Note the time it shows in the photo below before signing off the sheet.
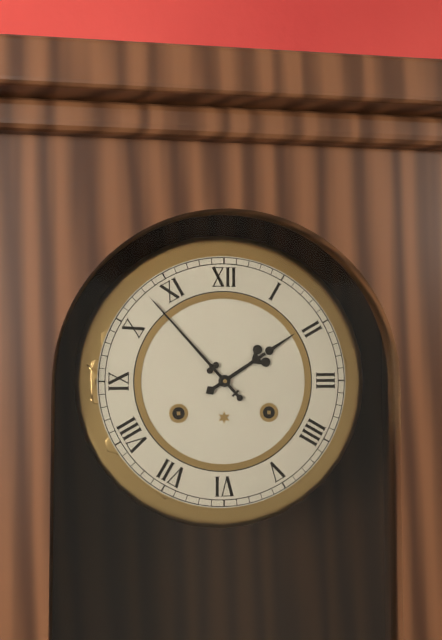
1:53
